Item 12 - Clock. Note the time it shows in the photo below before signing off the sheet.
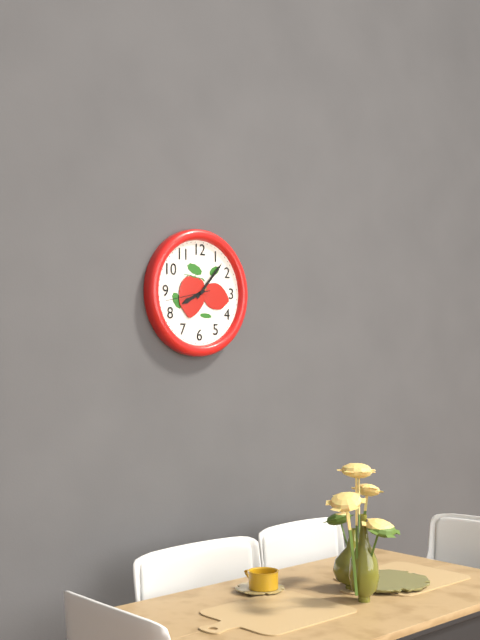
8:07
